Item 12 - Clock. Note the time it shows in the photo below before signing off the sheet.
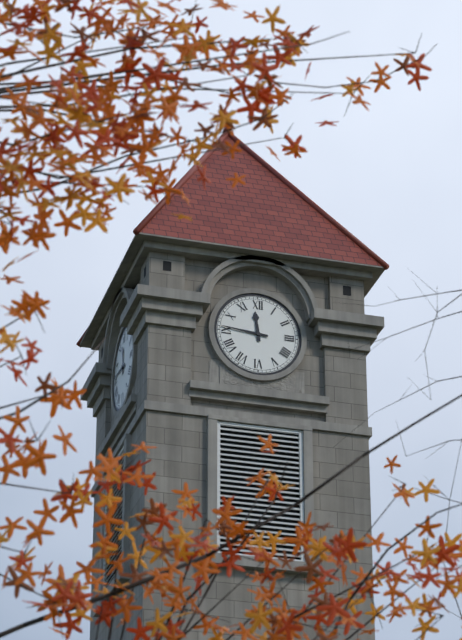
11:46
